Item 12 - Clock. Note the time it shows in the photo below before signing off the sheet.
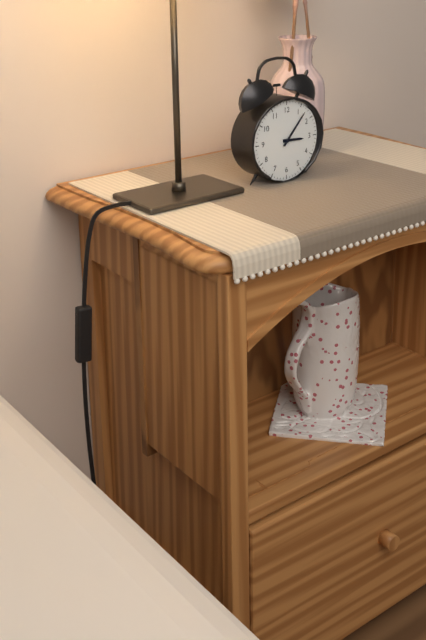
3:07
